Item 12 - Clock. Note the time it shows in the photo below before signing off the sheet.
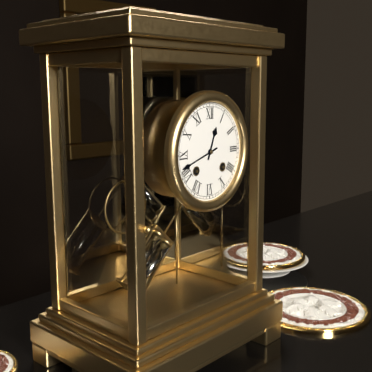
12:42
